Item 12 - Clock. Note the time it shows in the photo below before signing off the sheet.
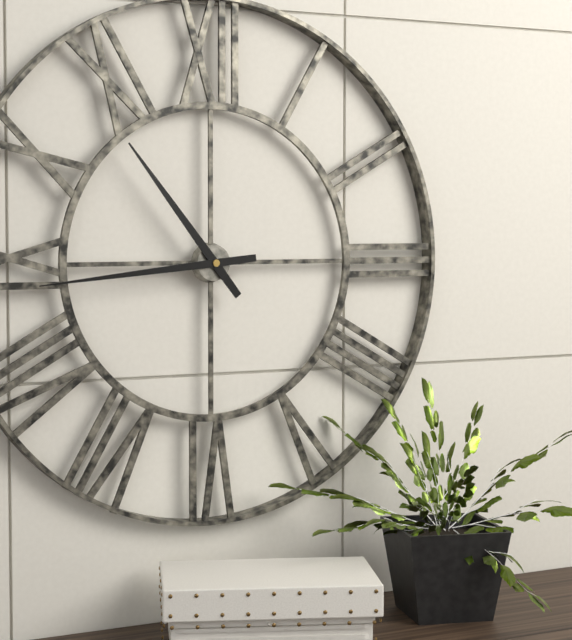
10:44
